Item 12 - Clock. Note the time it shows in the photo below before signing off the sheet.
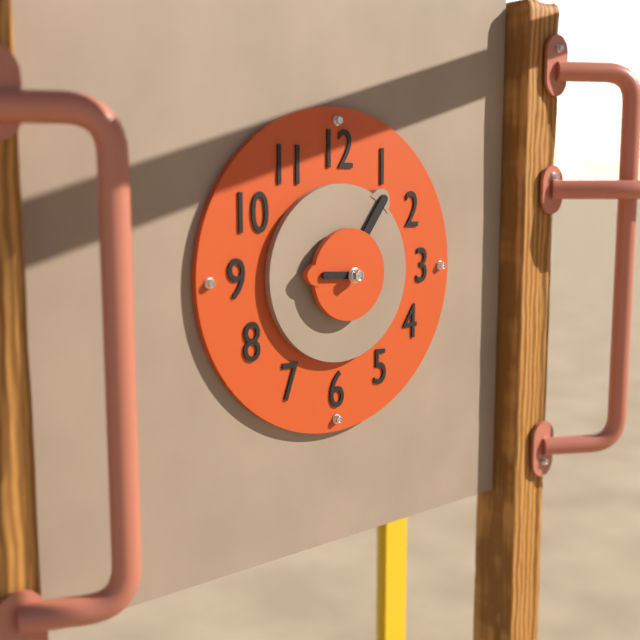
9:06
